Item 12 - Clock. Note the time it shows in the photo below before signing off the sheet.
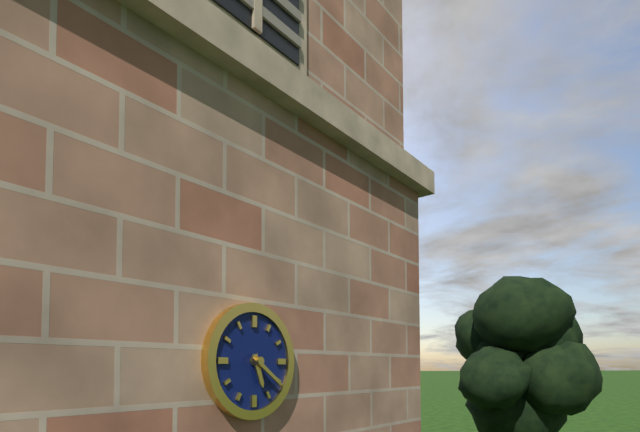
5:21
